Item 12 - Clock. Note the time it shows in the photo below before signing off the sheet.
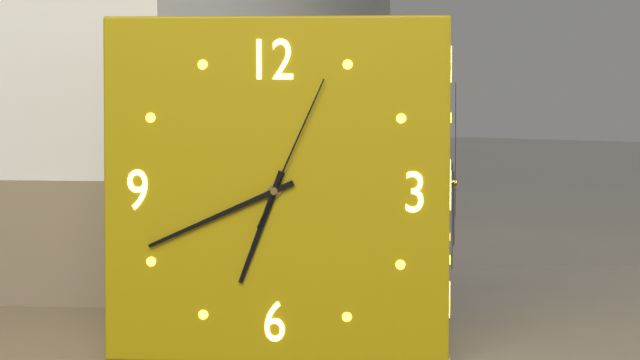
6:41:04
